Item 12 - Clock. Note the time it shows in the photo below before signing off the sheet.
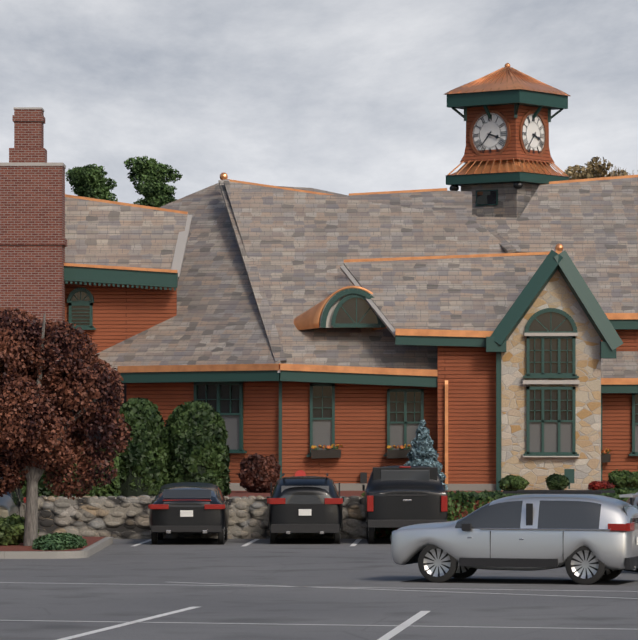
3:37
